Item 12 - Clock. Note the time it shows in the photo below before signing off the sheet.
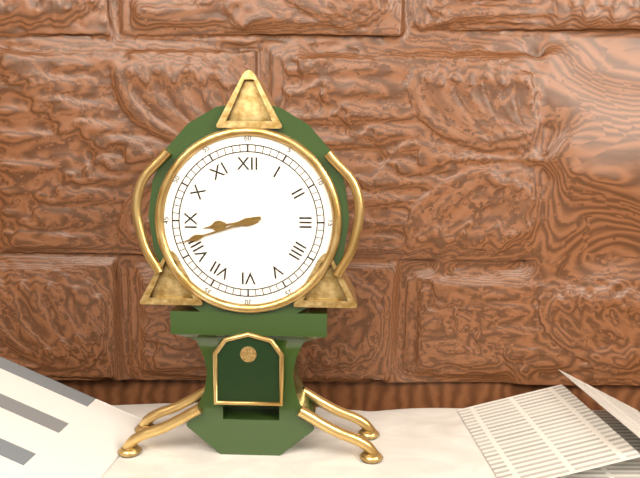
8:42
